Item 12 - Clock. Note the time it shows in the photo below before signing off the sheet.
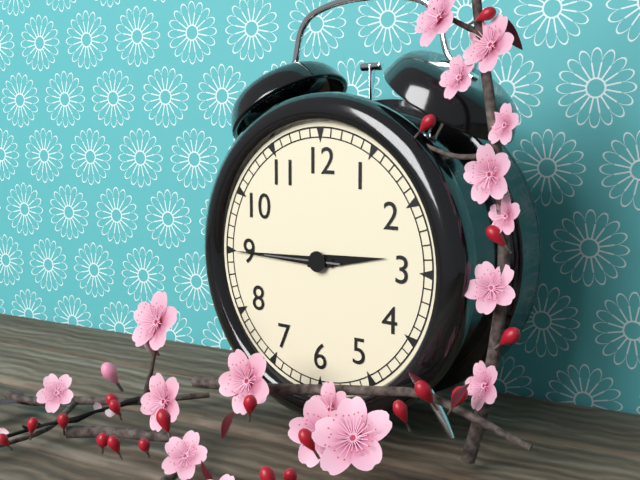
2:45:45
